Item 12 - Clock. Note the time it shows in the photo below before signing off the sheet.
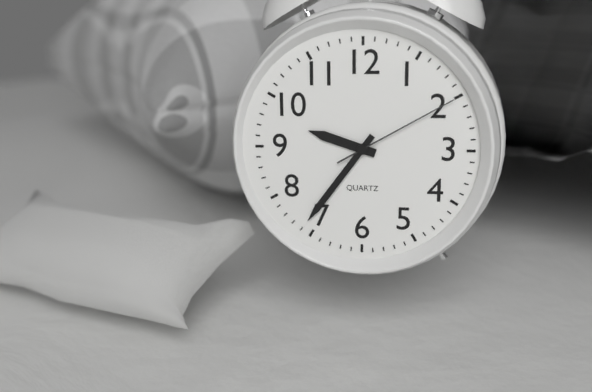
9:36:10
